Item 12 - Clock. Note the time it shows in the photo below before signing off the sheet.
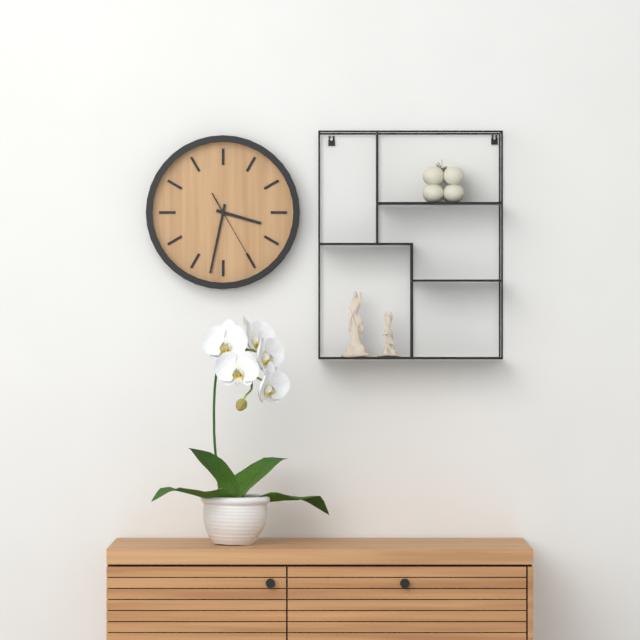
3:32:25
